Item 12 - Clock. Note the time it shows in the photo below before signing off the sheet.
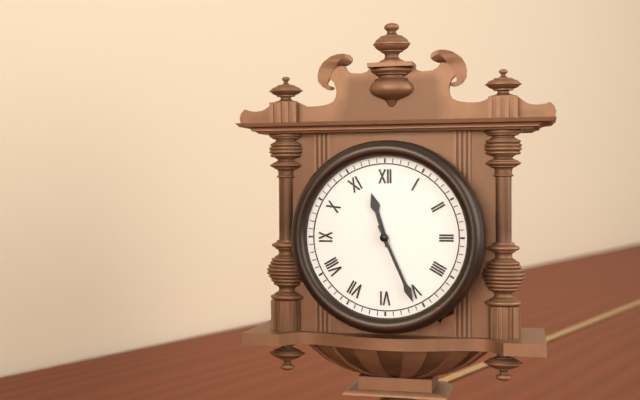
11:26
